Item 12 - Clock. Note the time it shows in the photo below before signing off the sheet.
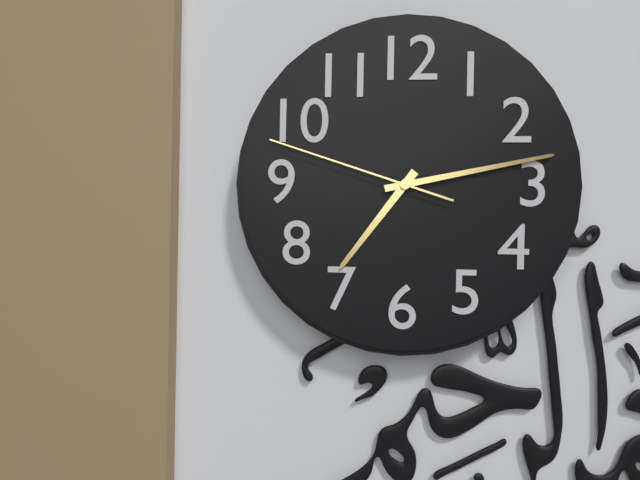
7:13:48
